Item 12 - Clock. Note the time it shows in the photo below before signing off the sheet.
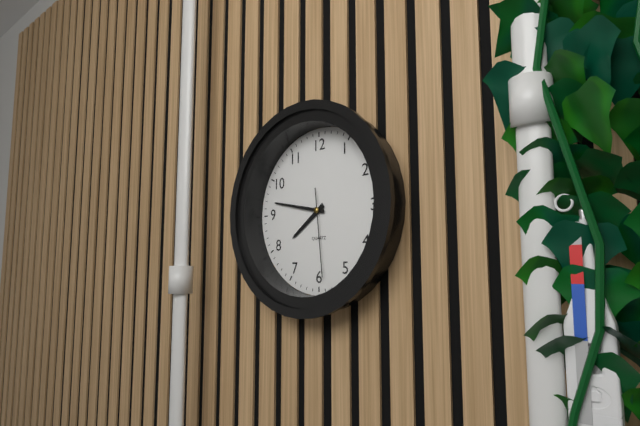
7:47:29
